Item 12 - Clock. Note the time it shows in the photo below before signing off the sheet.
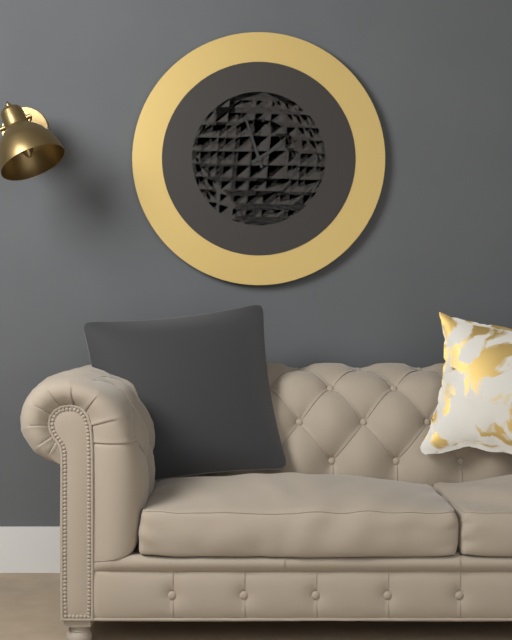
1:57
